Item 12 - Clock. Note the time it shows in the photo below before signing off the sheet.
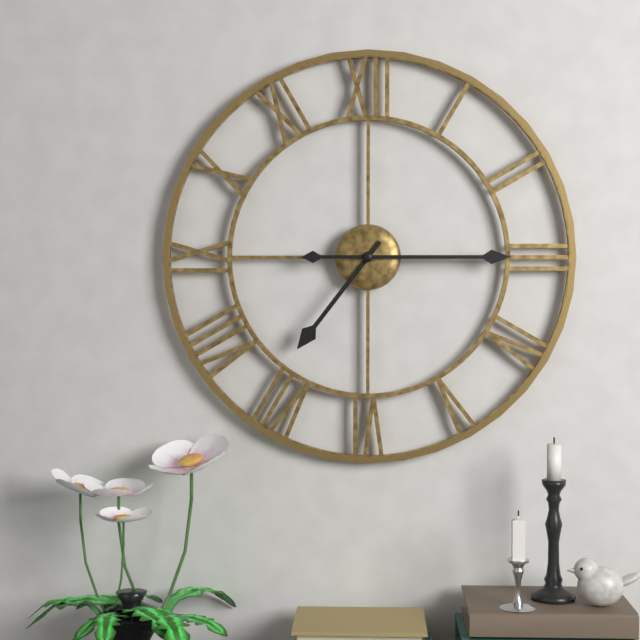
7:15
